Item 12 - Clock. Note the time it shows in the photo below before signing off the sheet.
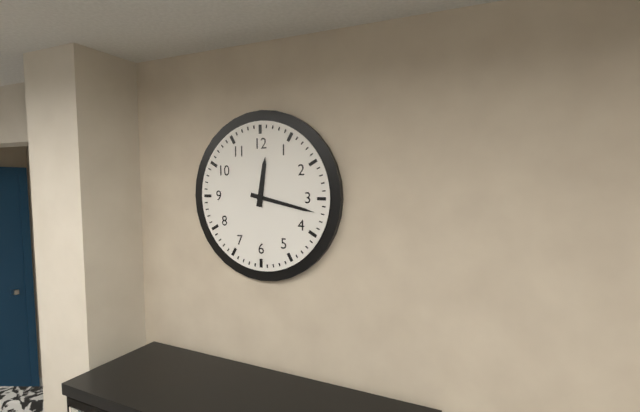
12:17
